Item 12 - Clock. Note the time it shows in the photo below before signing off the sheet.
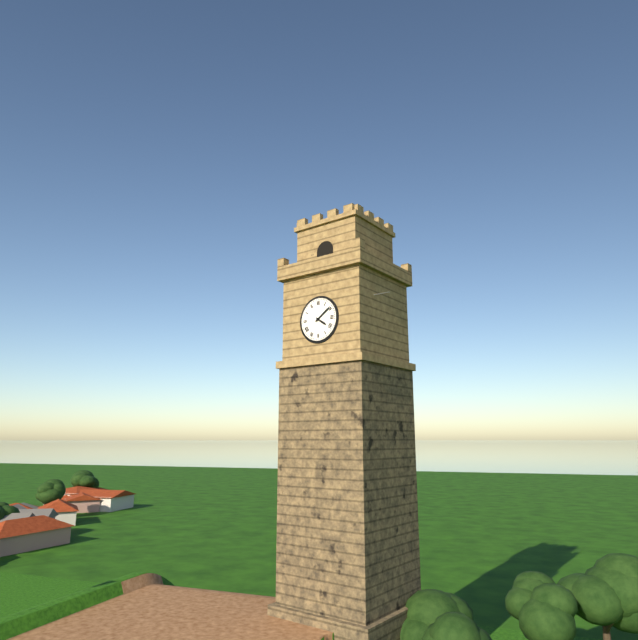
4:09
